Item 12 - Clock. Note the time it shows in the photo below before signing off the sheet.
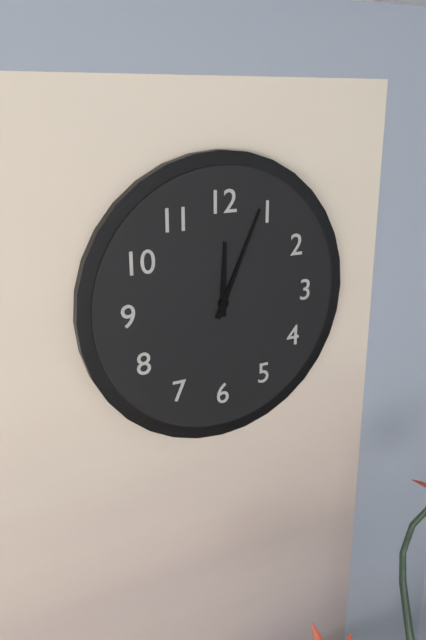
12:04
